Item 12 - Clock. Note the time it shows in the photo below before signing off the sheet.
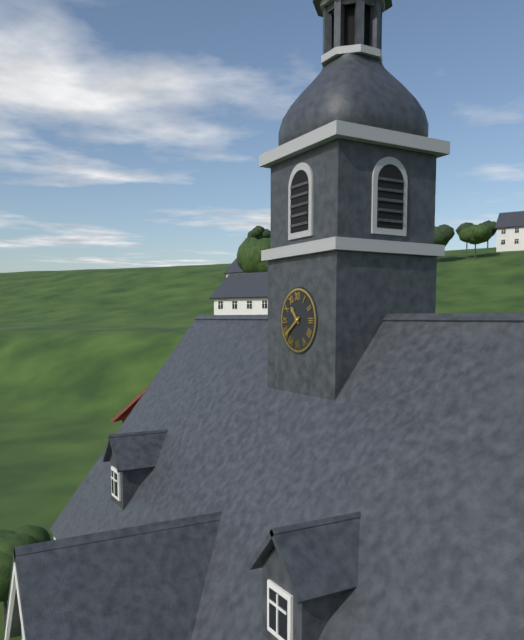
10:39
